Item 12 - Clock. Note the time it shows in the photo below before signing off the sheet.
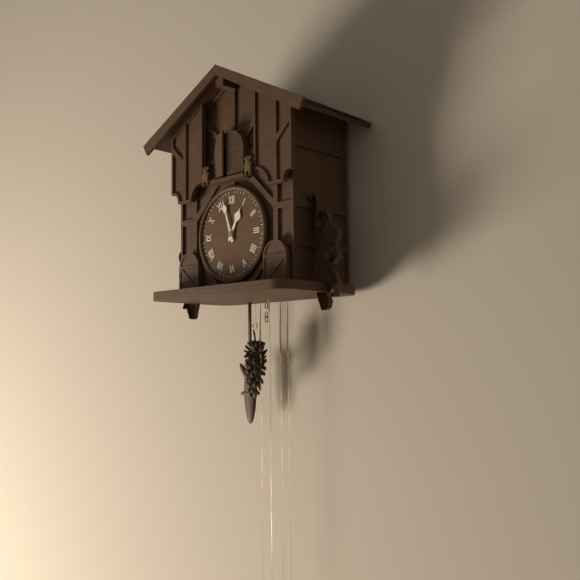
12:57
